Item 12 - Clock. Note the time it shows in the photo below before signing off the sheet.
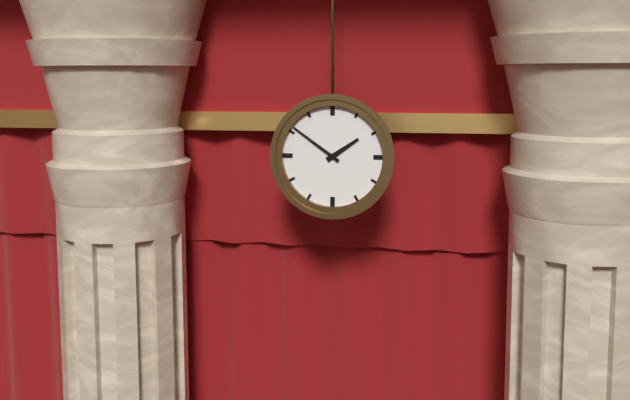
1:51
